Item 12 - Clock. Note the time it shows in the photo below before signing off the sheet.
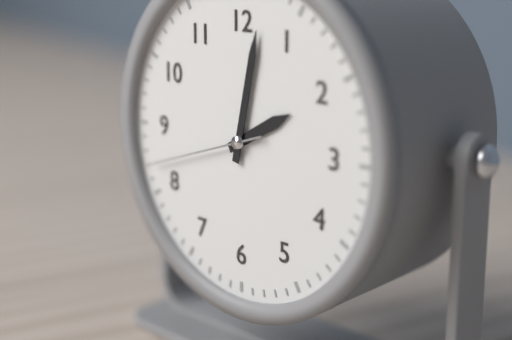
2:02:42
